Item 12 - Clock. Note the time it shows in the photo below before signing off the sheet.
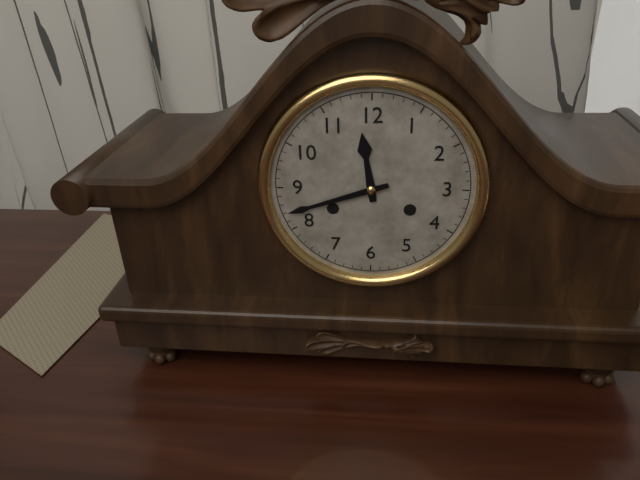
11:42
